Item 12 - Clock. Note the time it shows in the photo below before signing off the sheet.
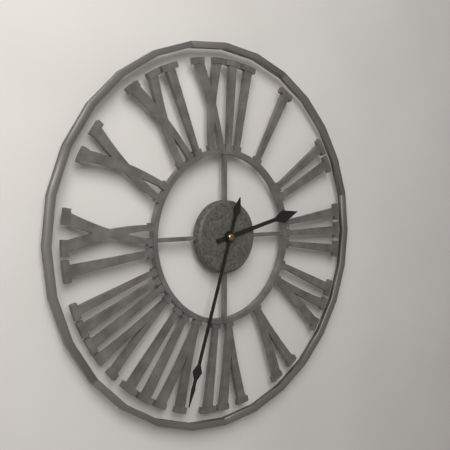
2:33
